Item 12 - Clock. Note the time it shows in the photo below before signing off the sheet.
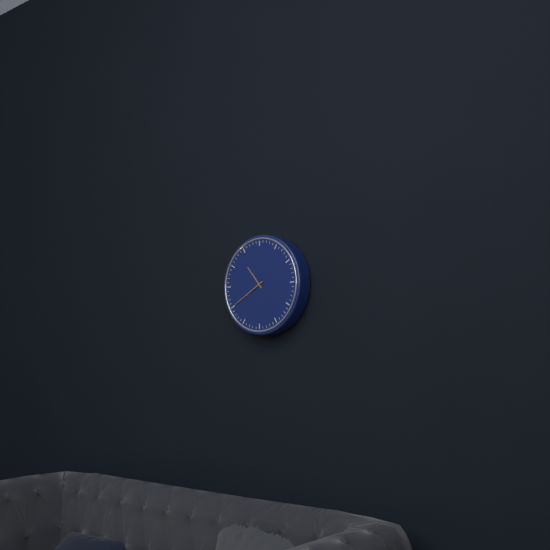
10:40
